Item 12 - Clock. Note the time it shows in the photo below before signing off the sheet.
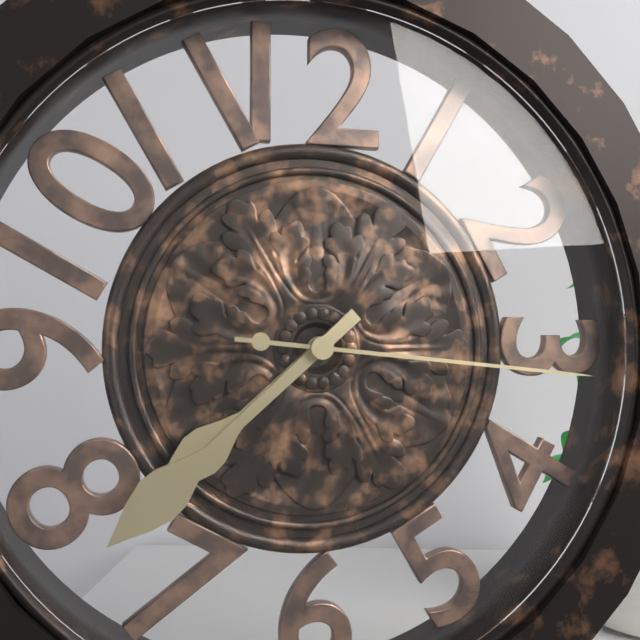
7:38:16
